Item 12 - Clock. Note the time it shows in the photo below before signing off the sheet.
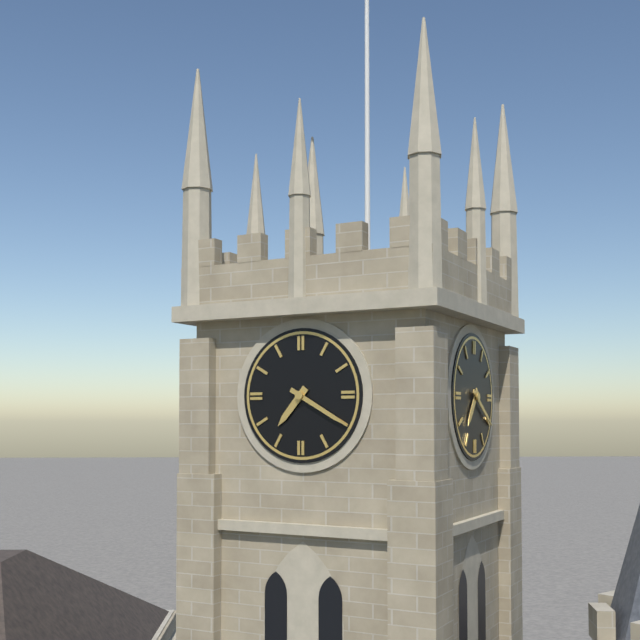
7:20
